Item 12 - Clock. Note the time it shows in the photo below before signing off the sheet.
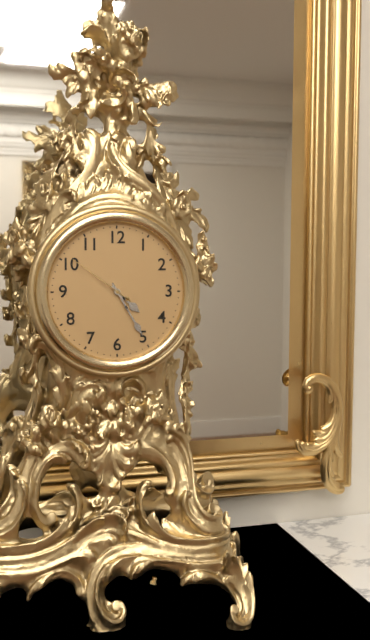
4:25:51
